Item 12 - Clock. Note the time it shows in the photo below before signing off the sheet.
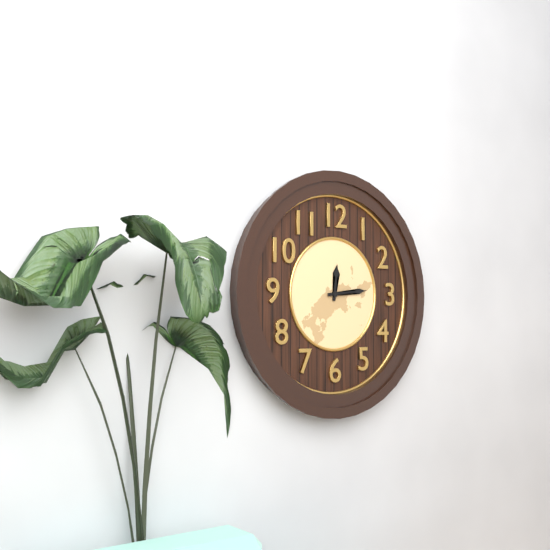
12:14
